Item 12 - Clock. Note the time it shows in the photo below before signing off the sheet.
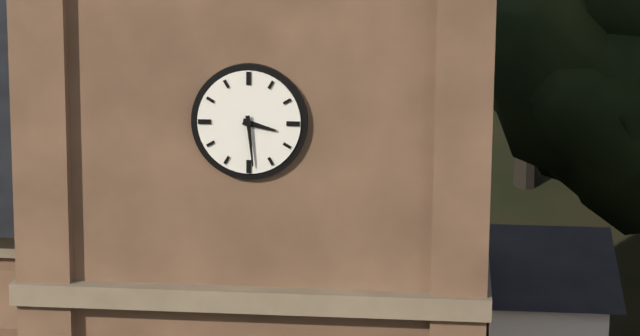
3:29
